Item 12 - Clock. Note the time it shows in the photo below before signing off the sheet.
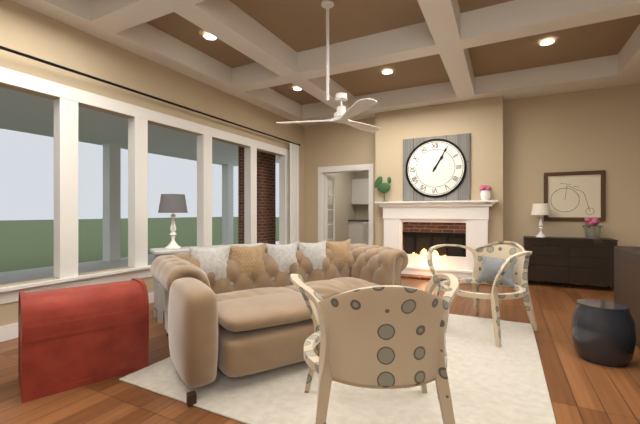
1:05
